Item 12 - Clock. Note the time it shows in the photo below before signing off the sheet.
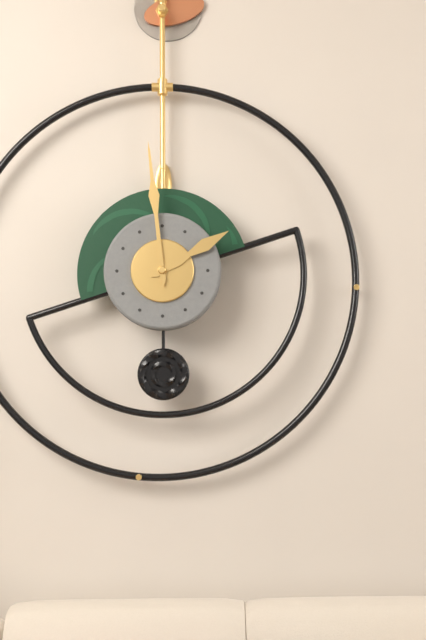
1:59
